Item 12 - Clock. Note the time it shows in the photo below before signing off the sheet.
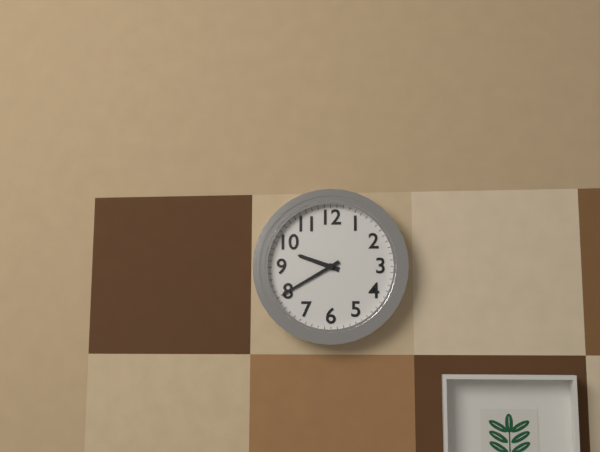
9:40
